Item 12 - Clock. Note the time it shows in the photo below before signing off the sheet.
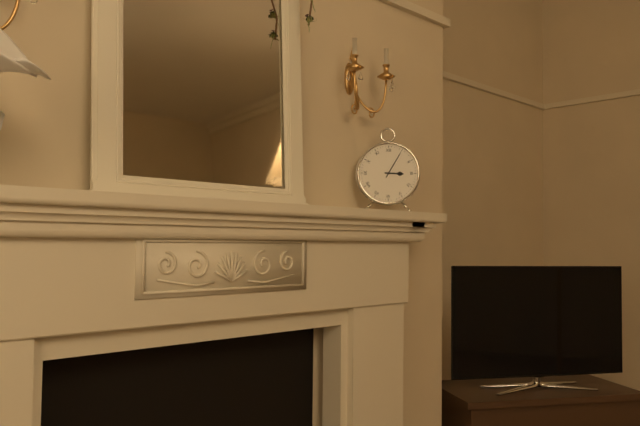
3:05
